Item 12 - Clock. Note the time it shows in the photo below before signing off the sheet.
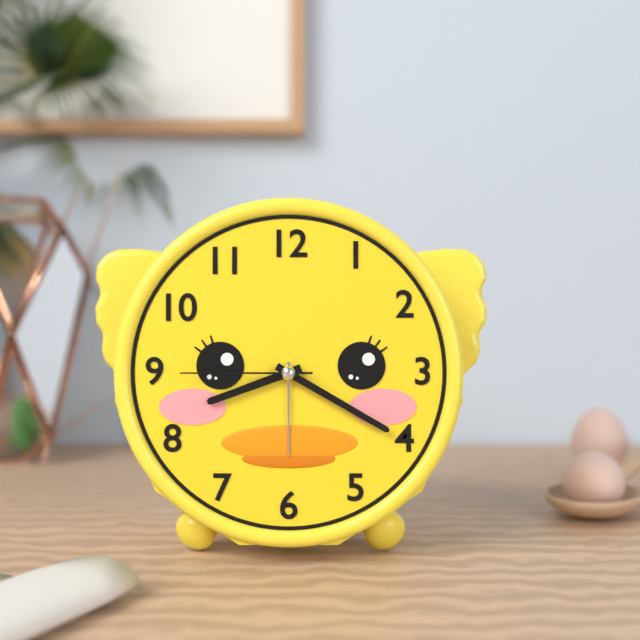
8:20:45
